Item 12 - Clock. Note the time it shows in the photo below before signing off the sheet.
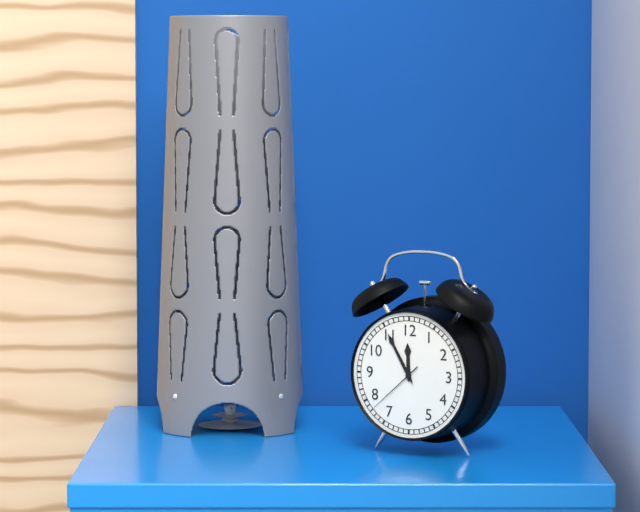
11:55:38
